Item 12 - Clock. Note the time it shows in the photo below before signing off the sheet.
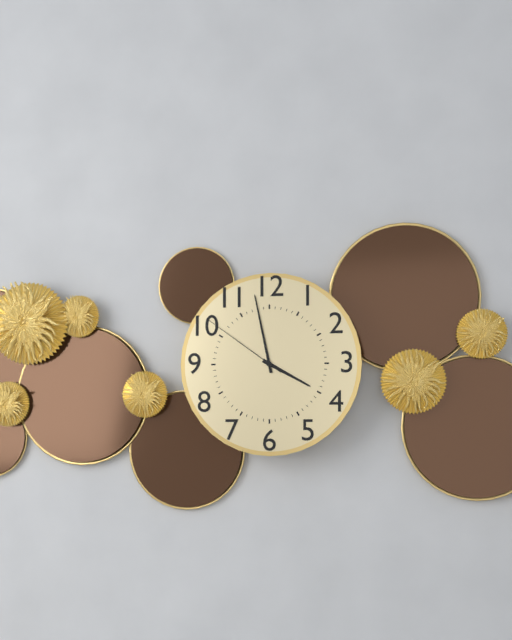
3:58:51
